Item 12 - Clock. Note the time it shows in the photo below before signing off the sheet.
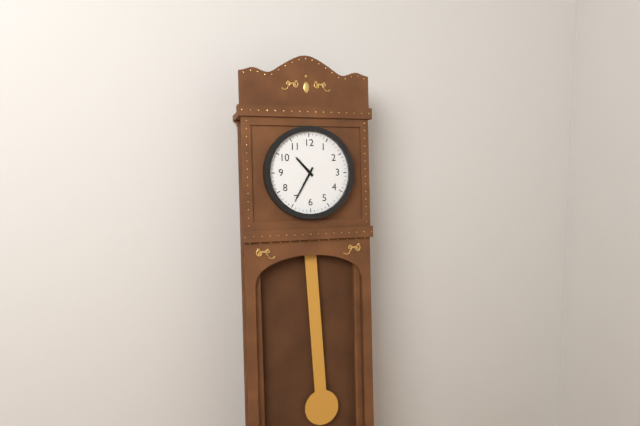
10:35
